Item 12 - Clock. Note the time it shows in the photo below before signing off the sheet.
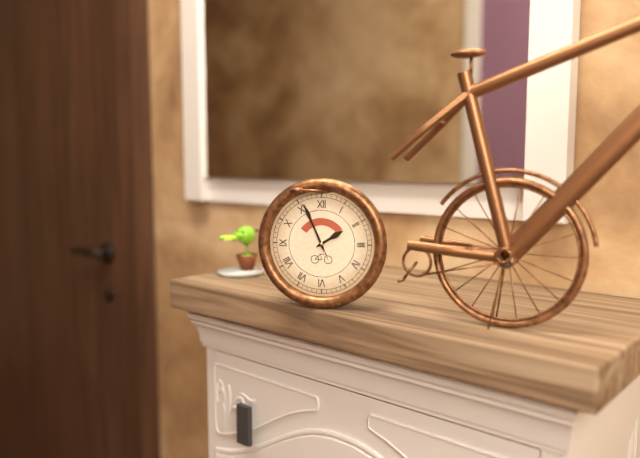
1:56
